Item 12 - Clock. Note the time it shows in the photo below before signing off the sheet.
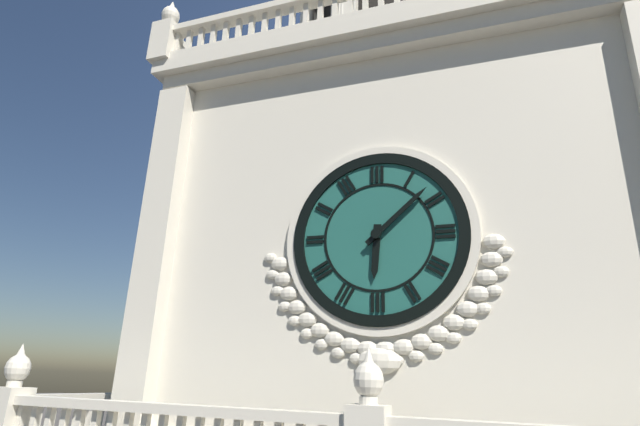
6:08
